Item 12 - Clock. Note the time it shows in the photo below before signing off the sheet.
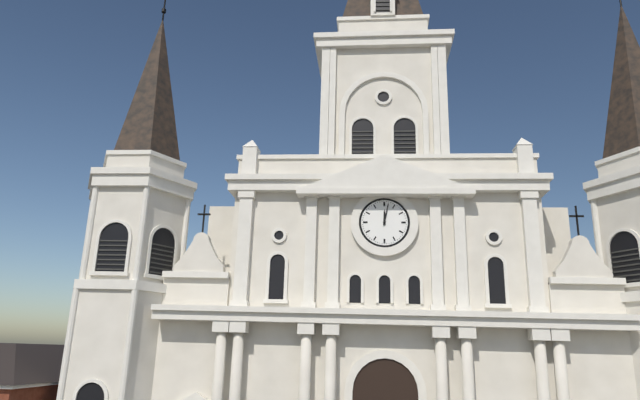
12:02
